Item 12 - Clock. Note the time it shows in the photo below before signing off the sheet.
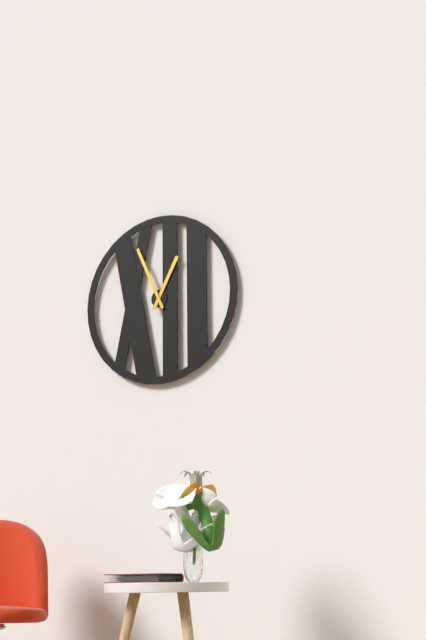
12:56
